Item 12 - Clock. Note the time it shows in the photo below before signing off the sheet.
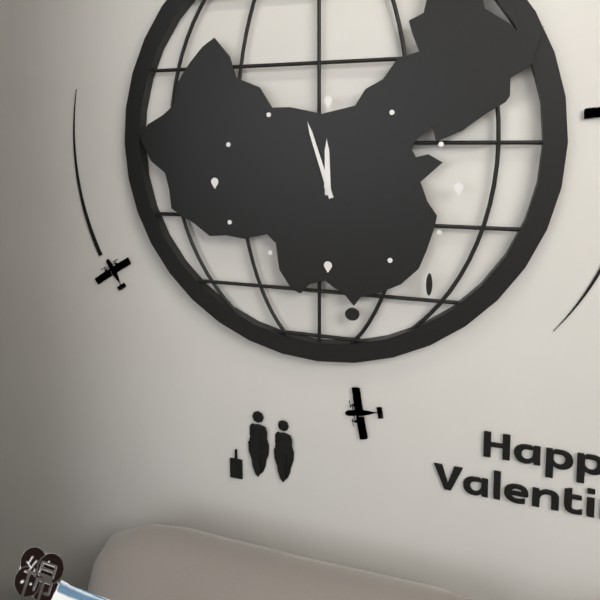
11:57
